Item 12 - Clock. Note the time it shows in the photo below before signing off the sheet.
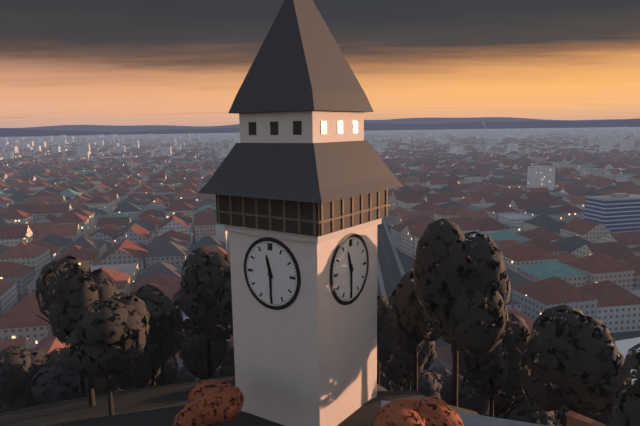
11:30
